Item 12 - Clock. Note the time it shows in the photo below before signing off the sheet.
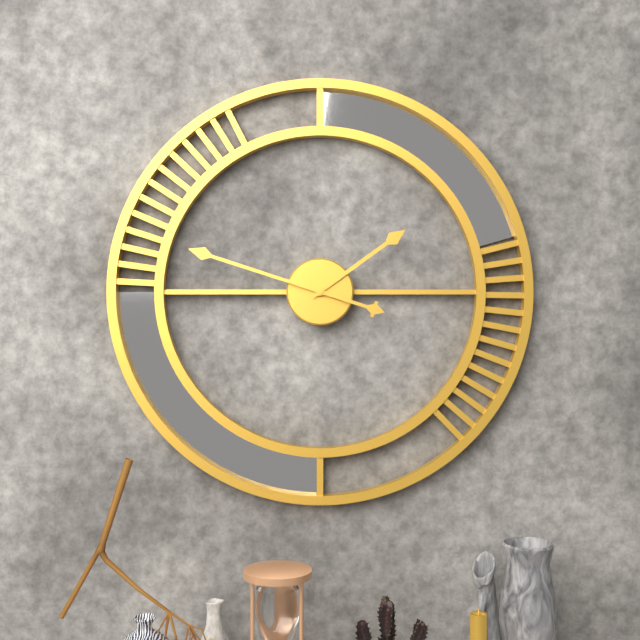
1:48
